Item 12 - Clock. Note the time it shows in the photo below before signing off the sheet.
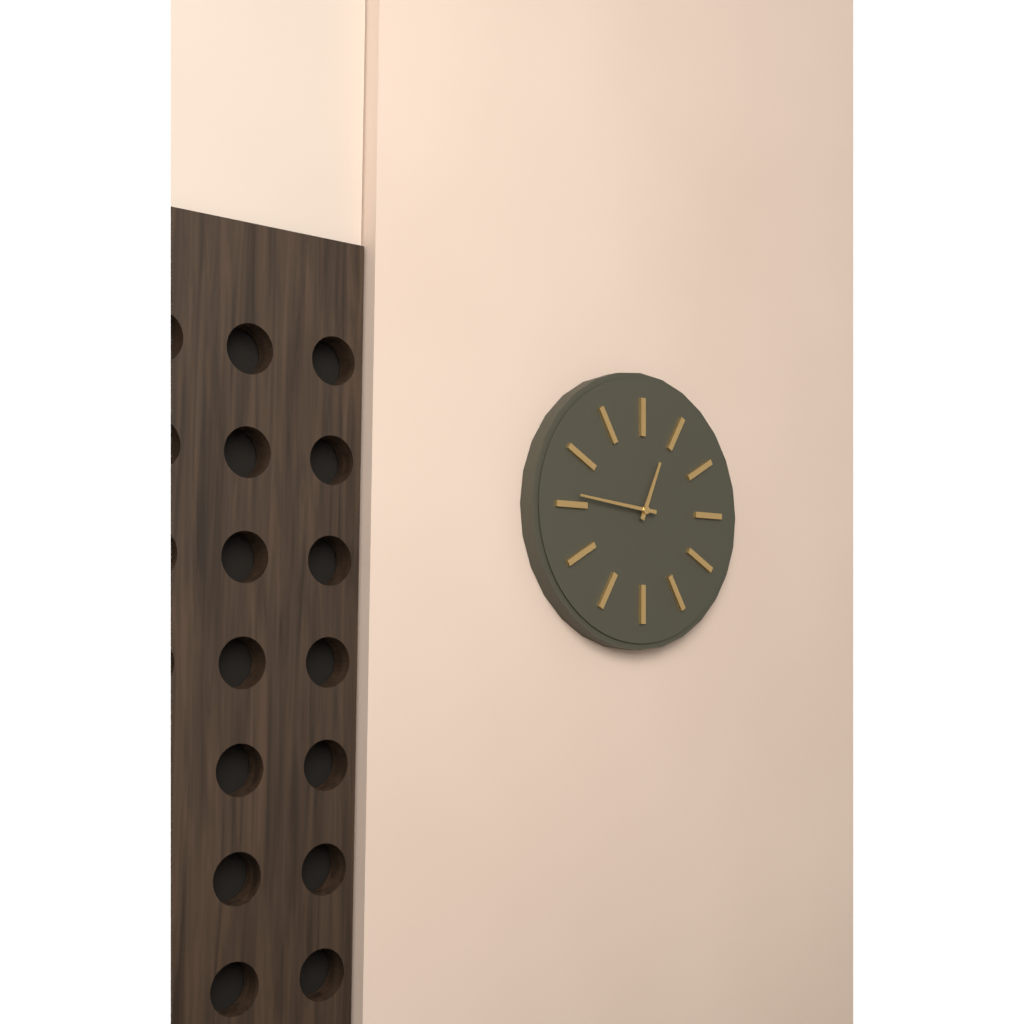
12:46
